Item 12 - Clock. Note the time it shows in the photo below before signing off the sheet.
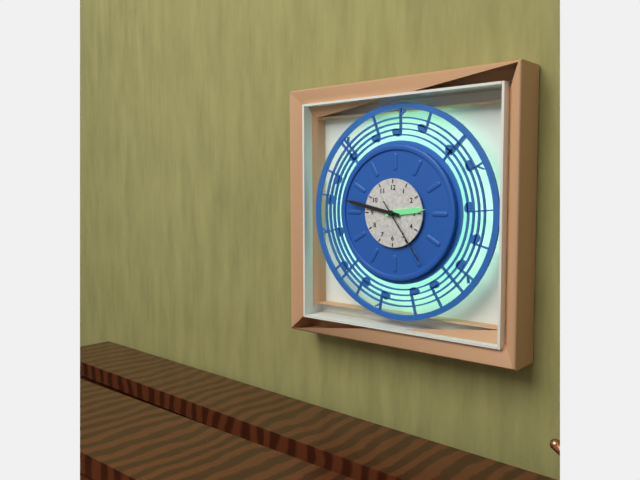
2:47:24
